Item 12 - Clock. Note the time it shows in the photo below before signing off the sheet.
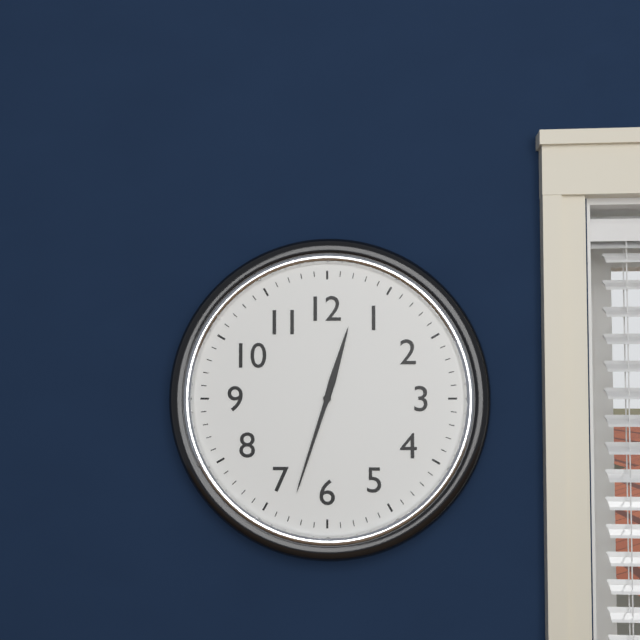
12:33
